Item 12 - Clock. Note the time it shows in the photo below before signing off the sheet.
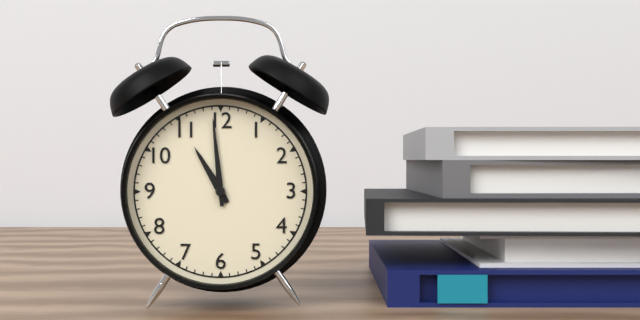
10:59
